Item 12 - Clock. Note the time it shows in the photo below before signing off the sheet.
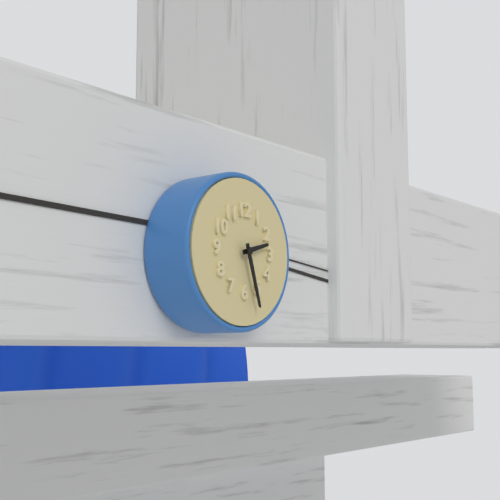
2:27
